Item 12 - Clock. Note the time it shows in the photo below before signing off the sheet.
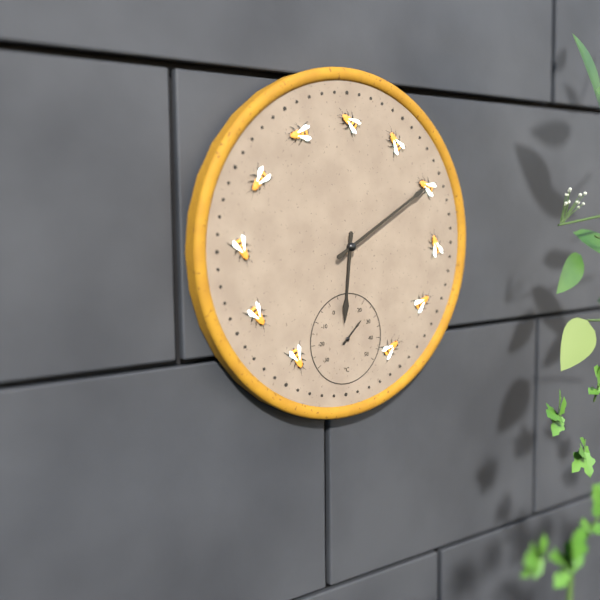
6:10
